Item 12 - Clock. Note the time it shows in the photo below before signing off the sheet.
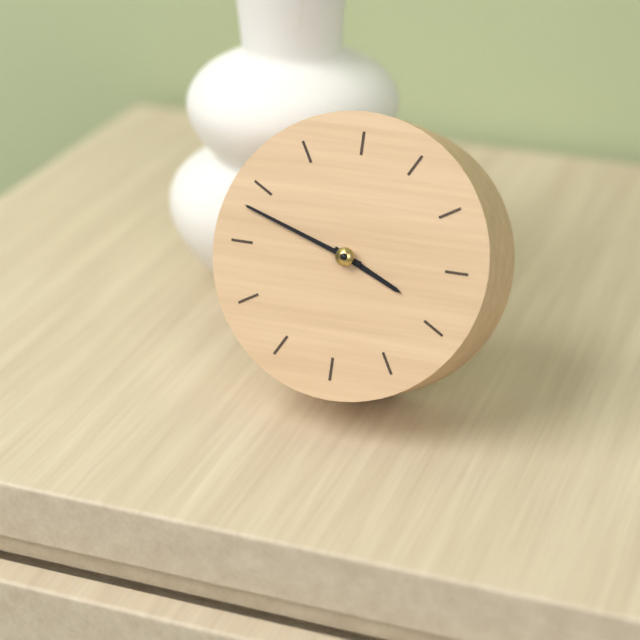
3:48
